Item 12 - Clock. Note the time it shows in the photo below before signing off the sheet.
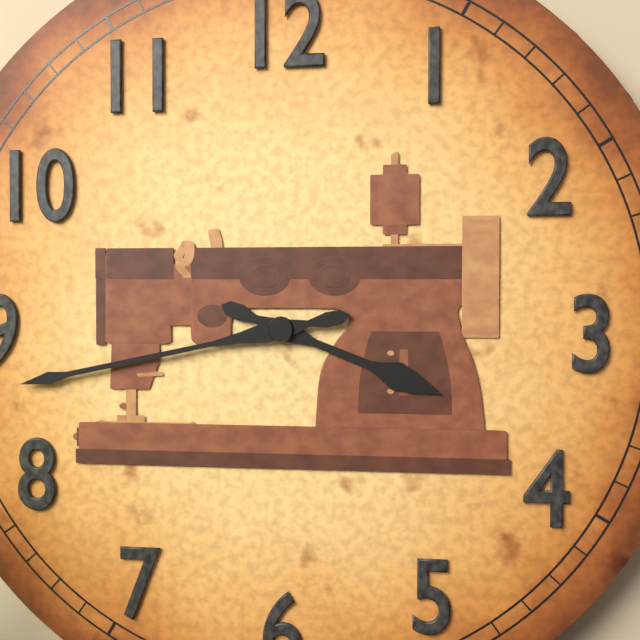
3:43
